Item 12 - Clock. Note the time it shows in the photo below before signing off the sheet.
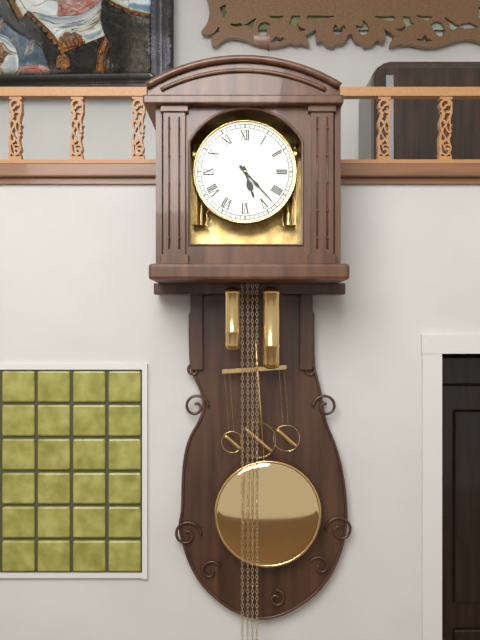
5:23
